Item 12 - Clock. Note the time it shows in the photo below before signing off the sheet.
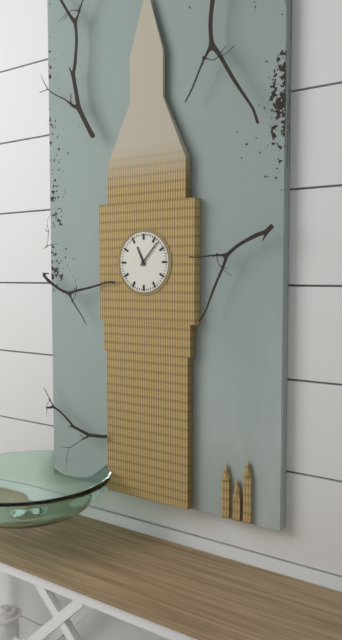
11:07
